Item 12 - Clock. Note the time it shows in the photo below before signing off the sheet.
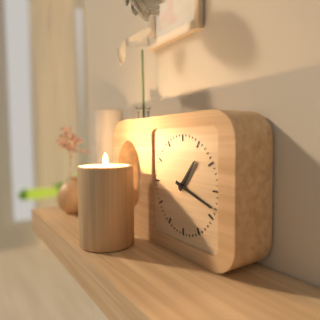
1:18
